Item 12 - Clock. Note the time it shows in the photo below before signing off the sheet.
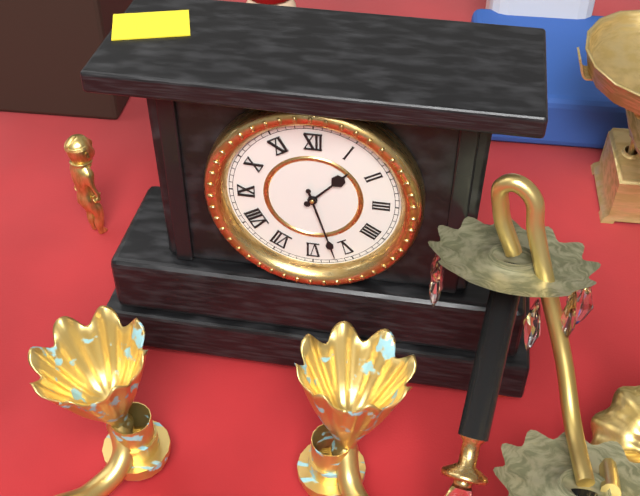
1:27
